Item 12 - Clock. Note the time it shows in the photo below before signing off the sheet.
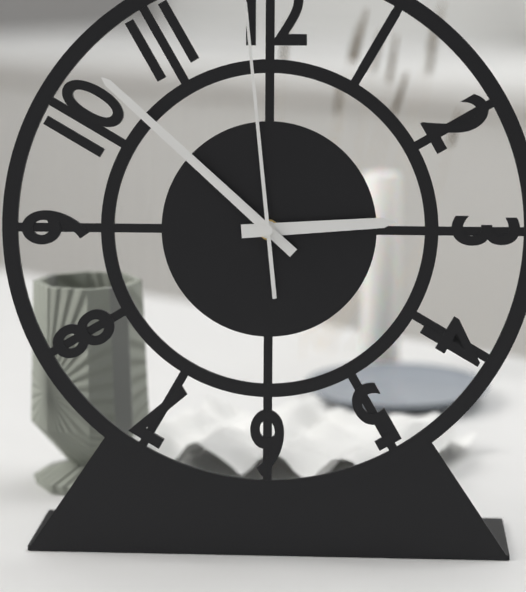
2:52
